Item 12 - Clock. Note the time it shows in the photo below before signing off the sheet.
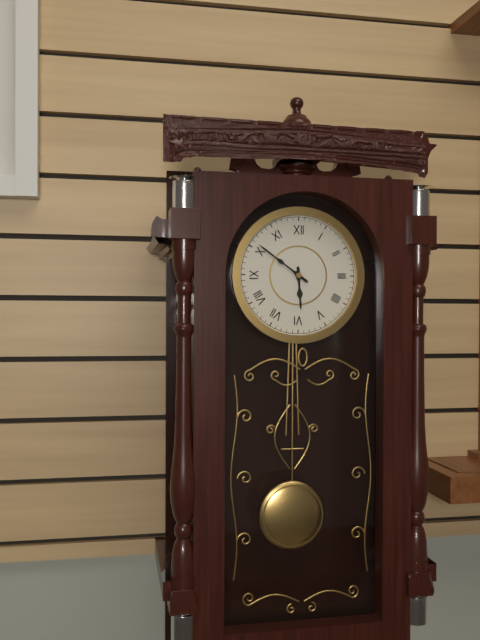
5:51
